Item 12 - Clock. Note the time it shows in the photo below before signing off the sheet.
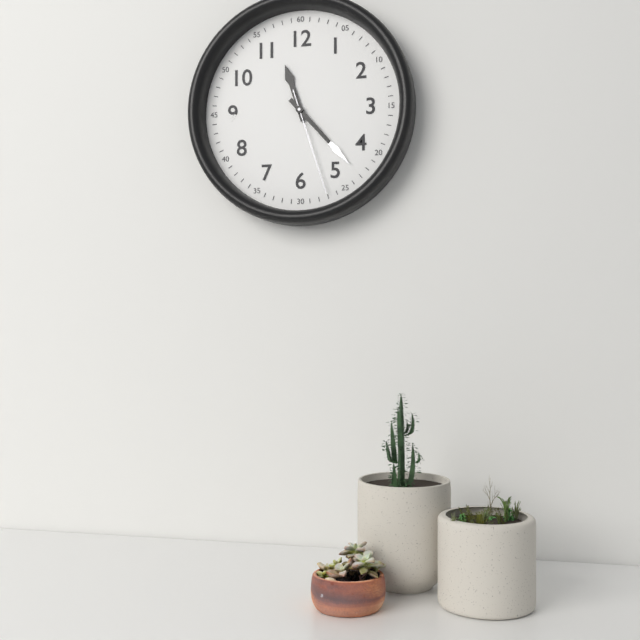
11:23:27
